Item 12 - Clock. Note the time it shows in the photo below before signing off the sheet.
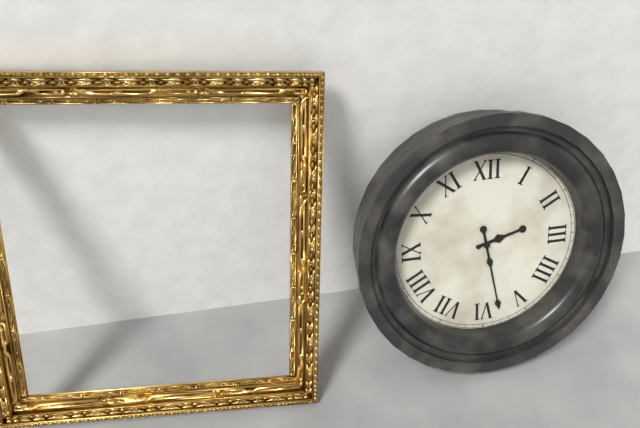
2:28
